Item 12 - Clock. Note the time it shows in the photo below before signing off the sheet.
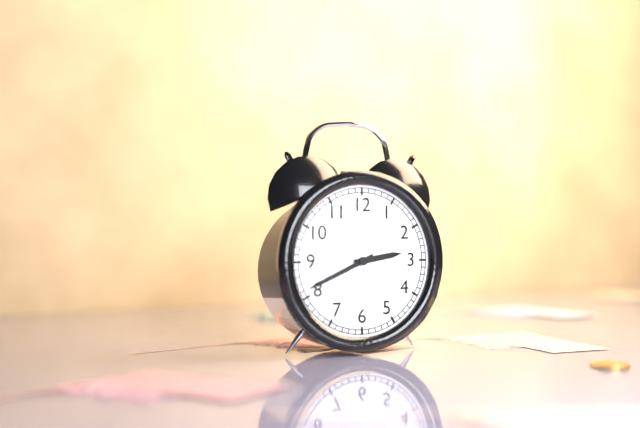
2:41
